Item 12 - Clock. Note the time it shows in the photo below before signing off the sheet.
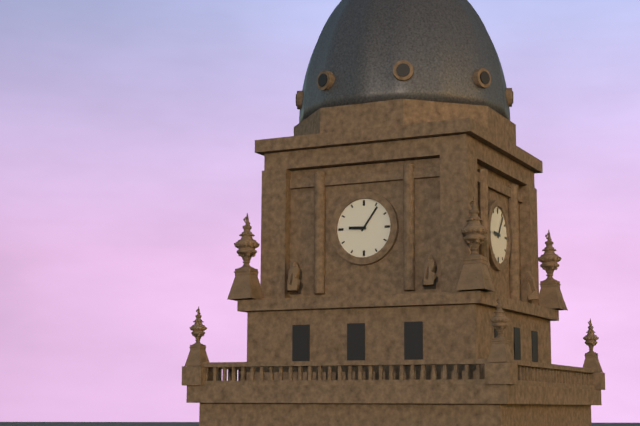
9:06
